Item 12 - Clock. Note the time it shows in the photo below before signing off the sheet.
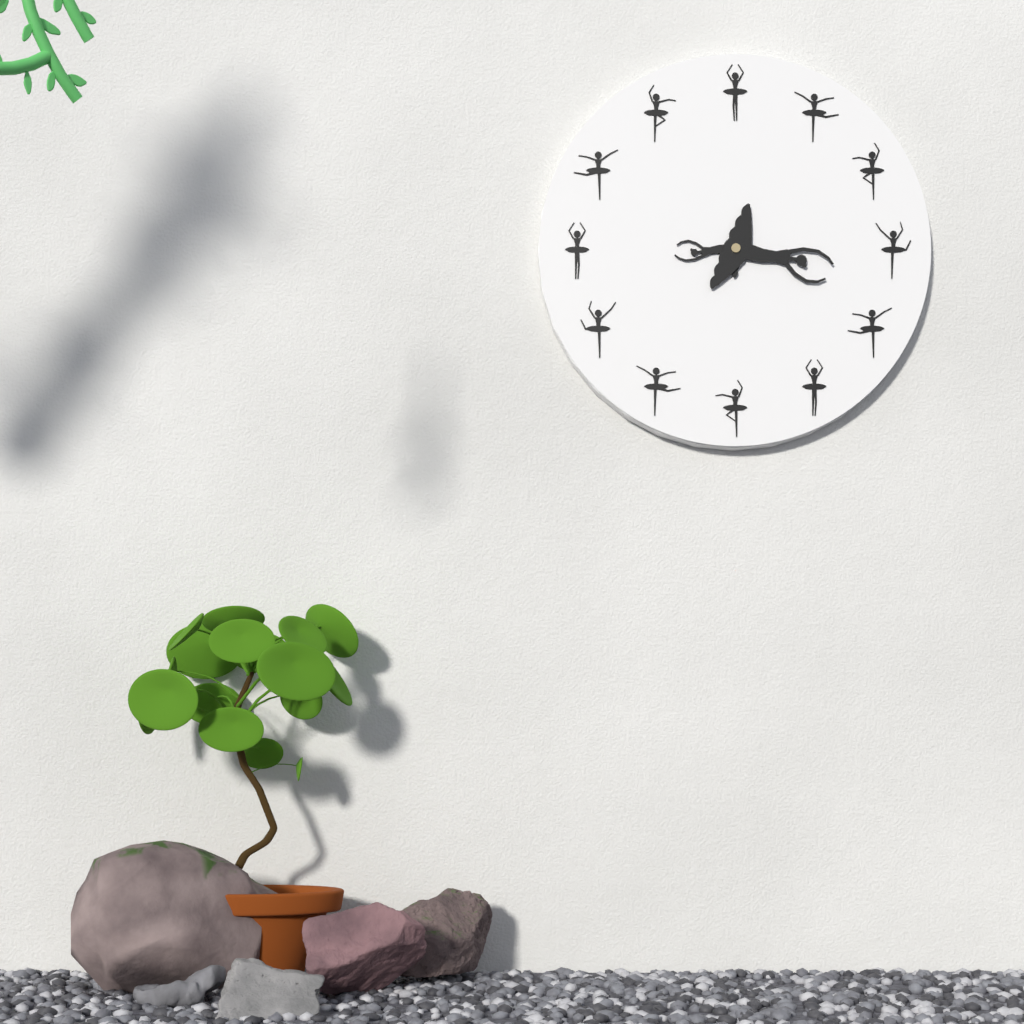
9:19
